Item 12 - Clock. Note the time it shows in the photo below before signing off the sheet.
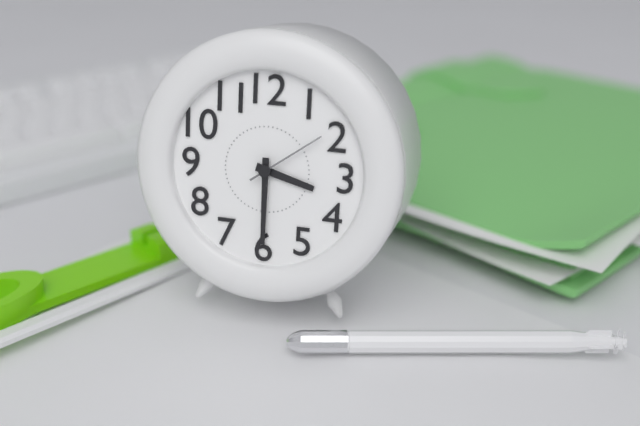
3:30:09
